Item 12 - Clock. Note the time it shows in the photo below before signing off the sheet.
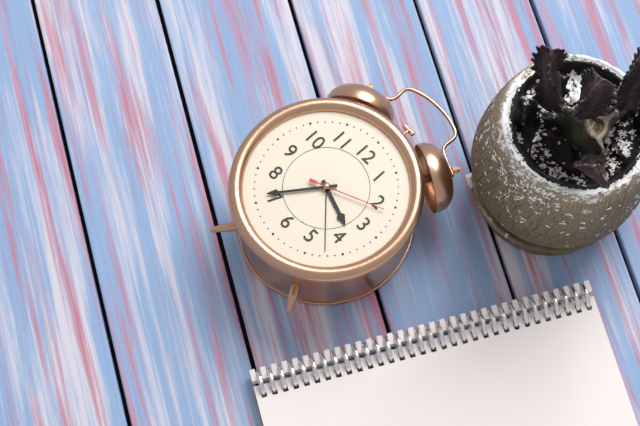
3:36:11
